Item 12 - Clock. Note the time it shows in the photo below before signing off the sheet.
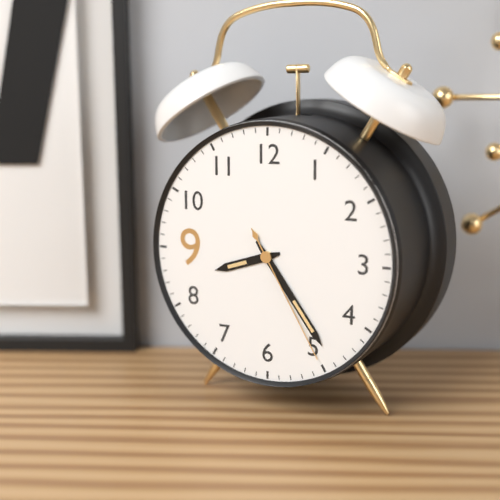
8:24:25
